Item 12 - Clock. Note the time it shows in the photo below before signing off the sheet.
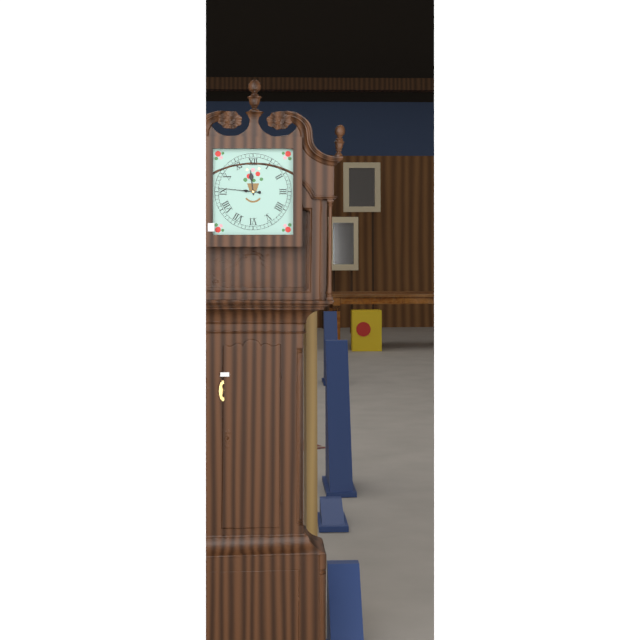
11:46
